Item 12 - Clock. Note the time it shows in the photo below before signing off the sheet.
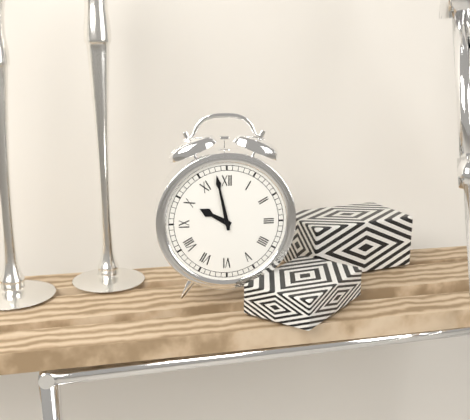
9:58
